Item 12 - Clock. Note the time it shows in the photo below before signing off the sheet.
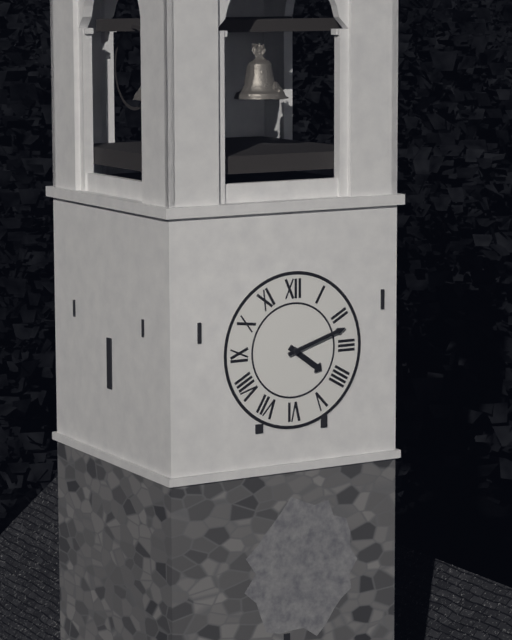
4:12
